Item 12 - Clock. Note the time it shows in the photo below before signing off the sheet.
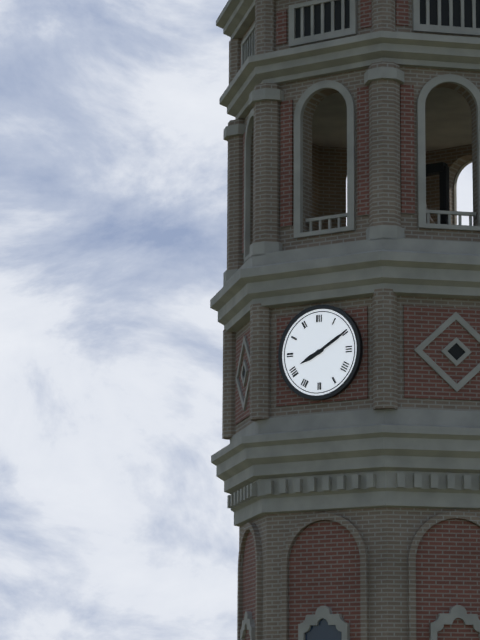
8:10
